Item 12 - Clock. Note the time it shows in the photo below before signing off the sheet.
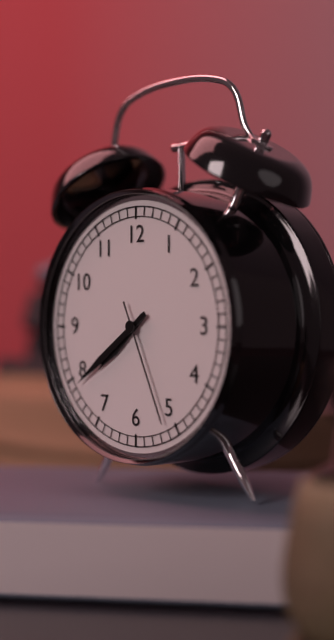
7:39:26
